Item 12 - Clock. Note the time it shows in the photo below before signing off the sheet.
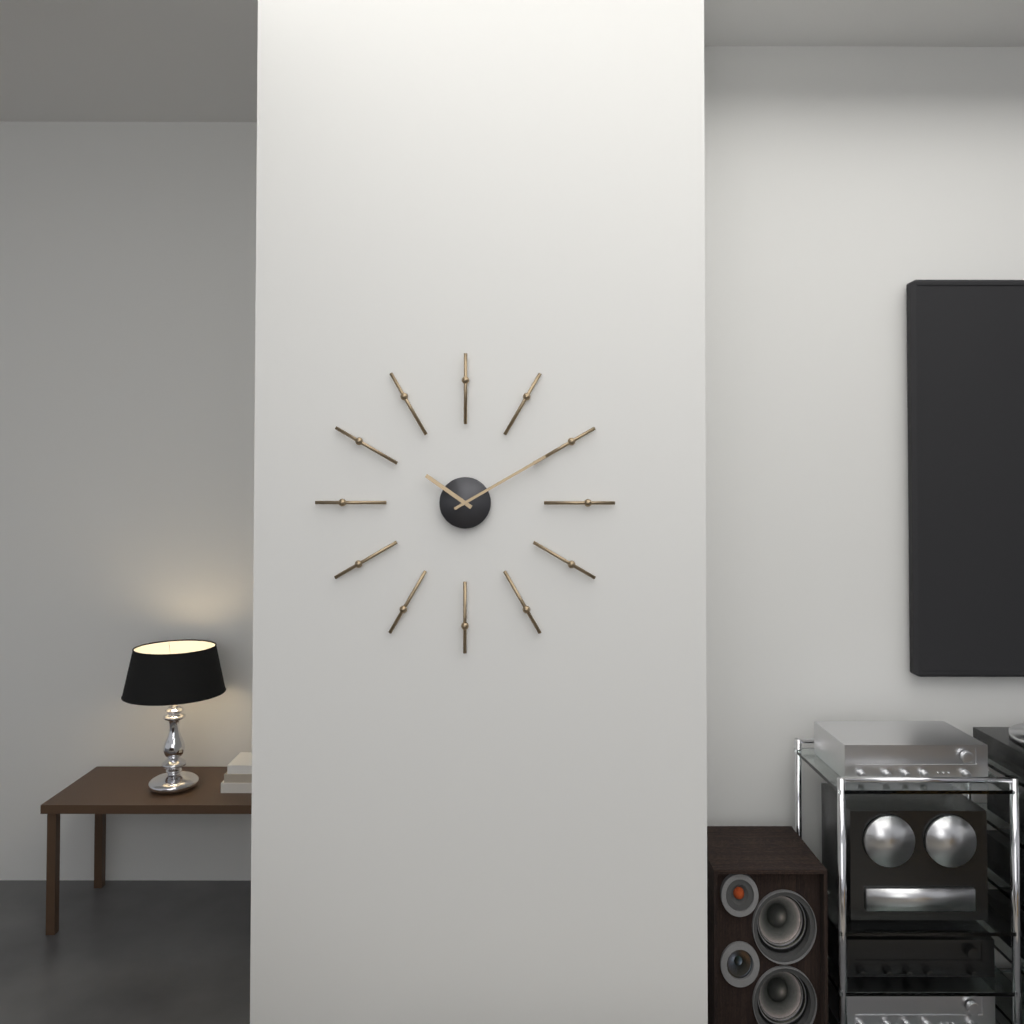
10:10
